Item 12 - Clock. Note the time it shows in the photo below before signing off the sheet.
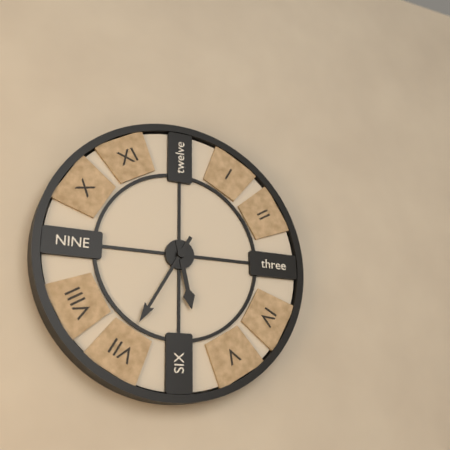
5:35
